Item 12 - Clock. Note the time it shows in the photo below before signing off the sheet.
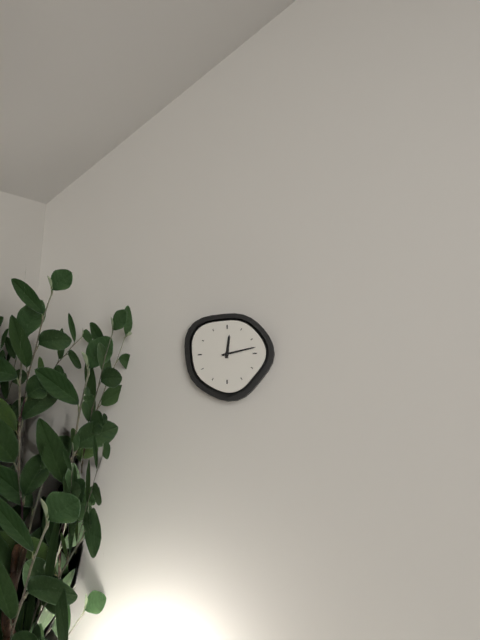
12:13
